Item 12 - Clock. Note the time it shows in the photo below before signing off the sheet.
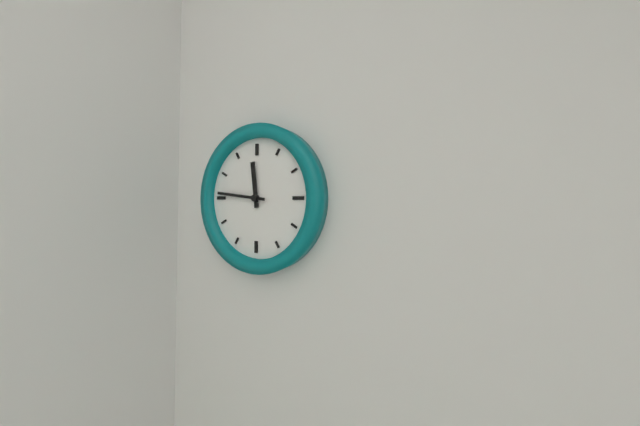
11:46
